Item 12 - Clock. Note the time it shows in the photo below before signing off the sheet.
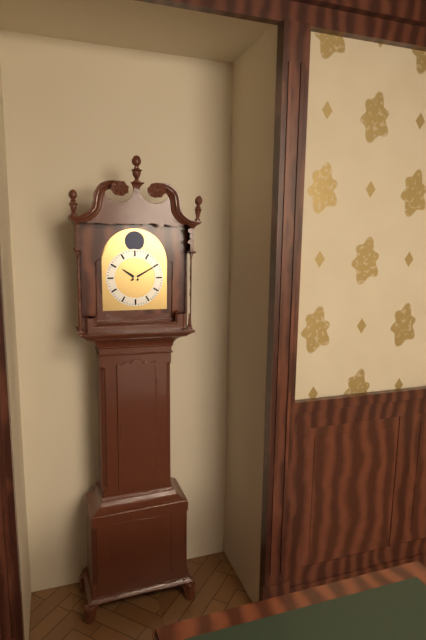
10:10
